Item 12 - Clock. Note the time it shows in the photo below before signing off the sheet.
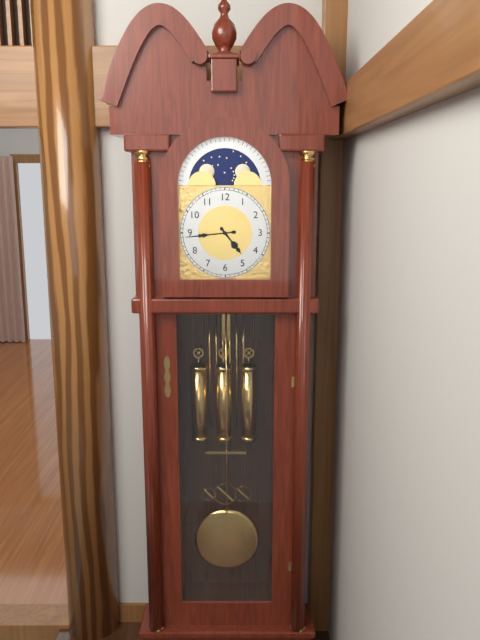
4:44
